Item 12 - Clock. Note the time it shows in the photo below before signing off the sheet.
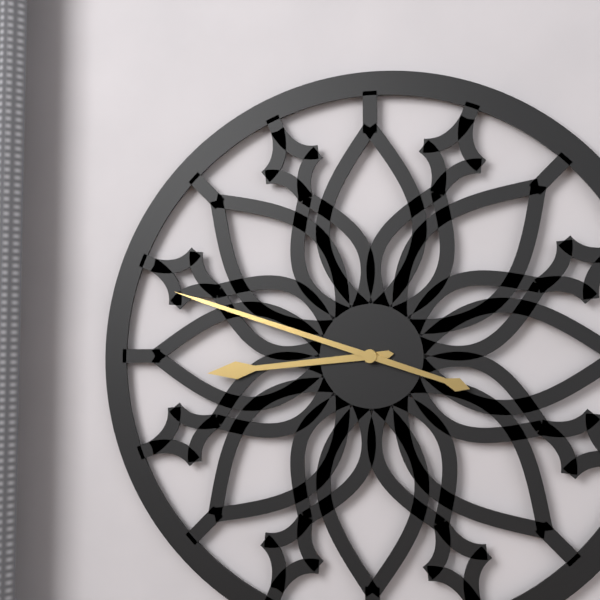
8:48
